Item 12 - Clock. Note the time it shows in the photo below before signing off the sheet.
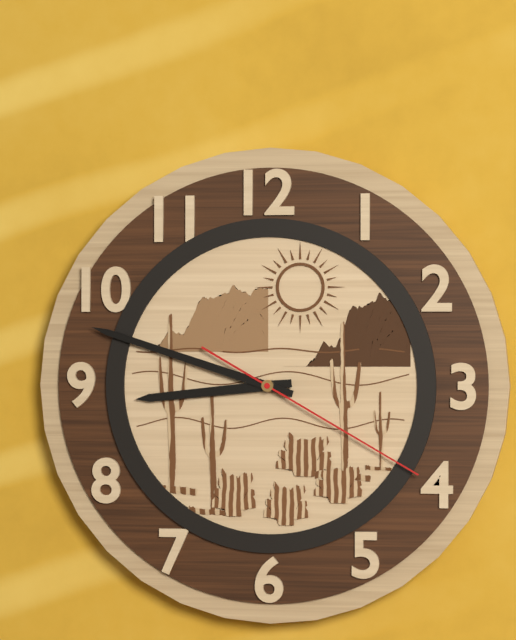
8:48:20
